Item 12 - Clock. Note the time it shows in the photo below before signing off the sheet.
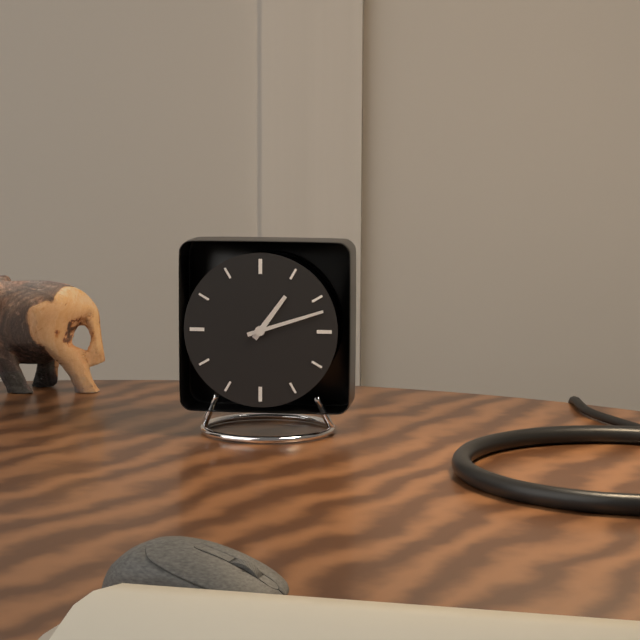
1:12
